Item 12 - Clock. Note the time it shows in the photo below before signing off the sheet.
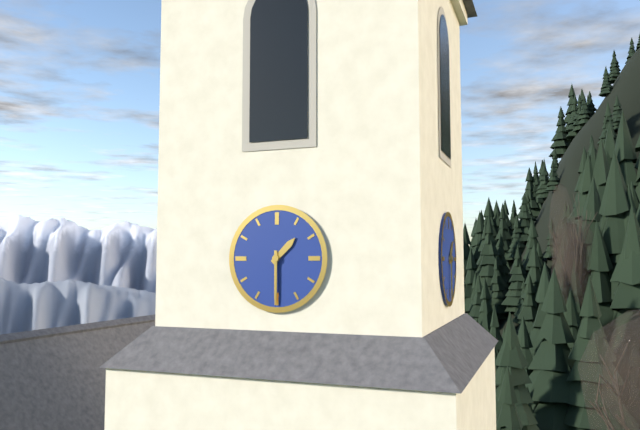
1:30
